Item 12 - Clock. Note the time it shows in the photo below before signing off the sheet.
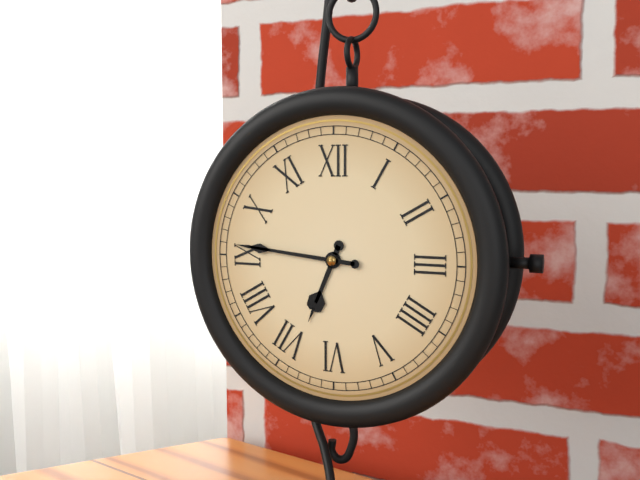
6:46
